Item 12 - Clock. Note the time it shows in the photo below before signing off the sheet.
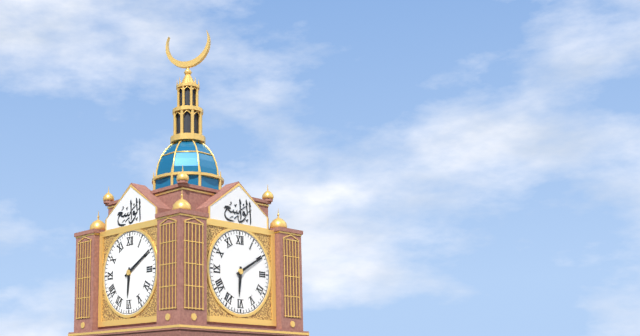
6:10
